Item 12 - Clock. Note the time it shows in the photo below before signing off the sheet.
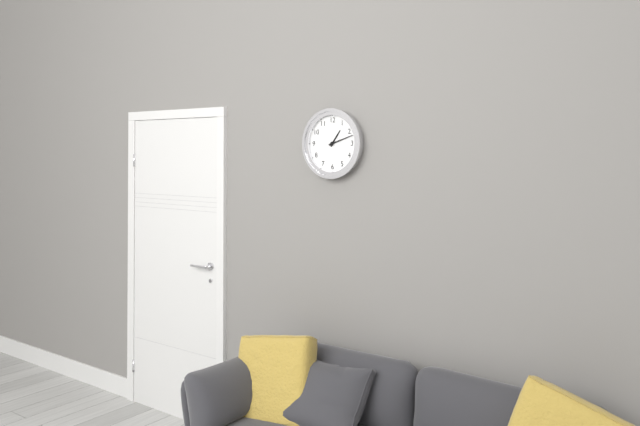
1:12
